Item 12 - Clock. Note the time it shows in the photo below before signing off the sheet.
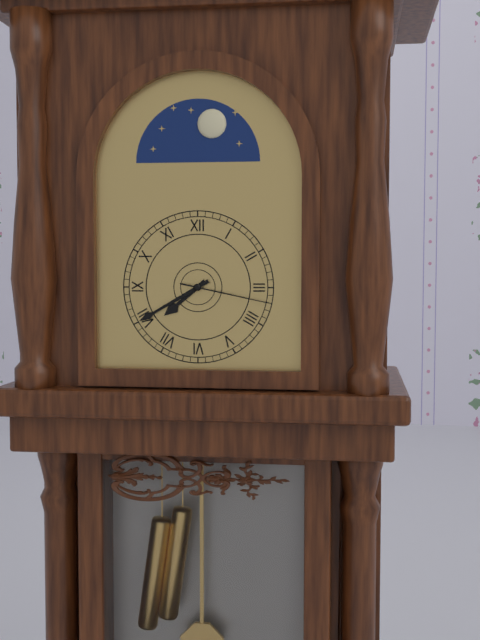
7:40:17
